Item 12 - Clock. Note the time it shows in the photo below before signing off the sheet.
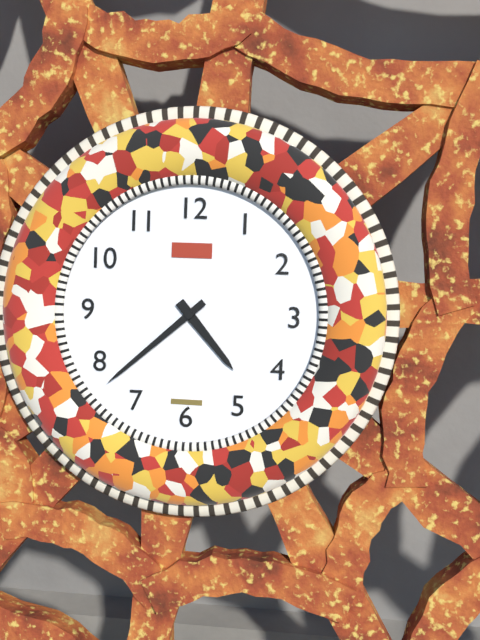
4:38
